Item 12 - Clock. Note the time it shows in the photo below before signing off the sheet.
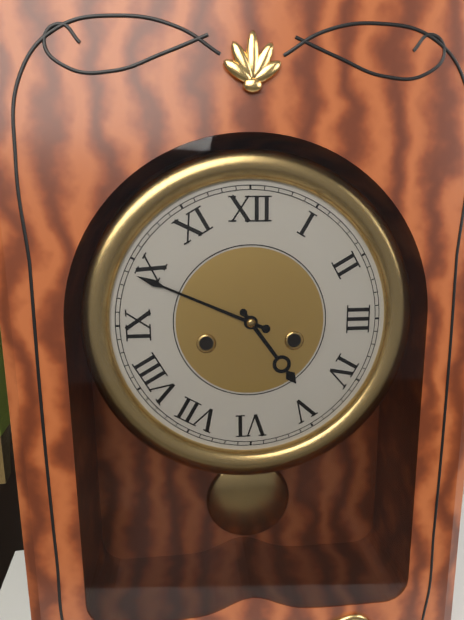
4:49
